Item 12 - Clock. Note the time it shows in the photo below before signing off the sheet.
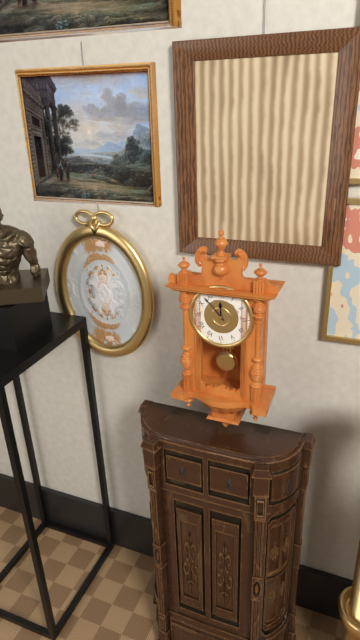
11:53
